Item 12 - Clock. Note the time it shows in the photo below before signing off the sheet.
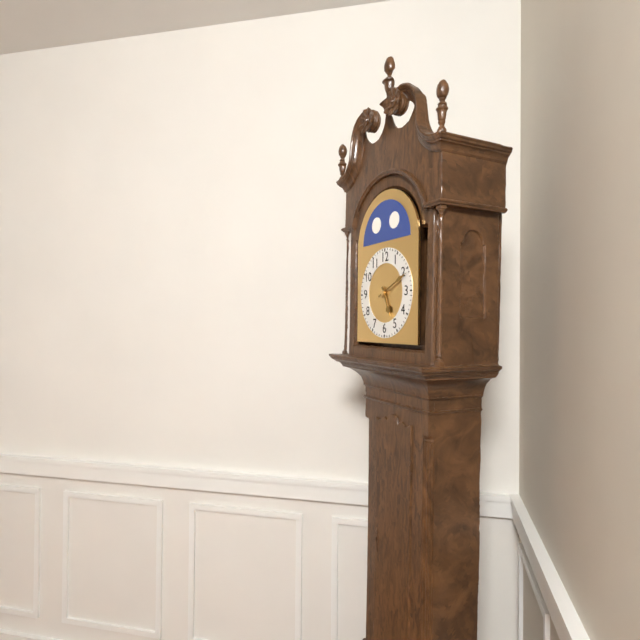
5:11
